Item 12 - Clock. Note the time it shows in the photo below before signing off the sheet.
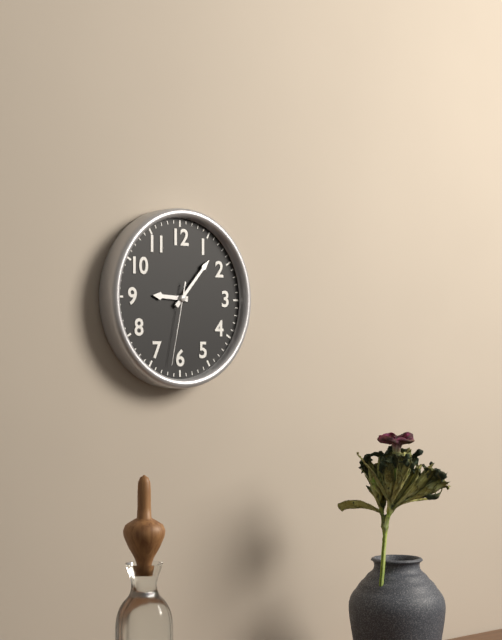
9:07:32
